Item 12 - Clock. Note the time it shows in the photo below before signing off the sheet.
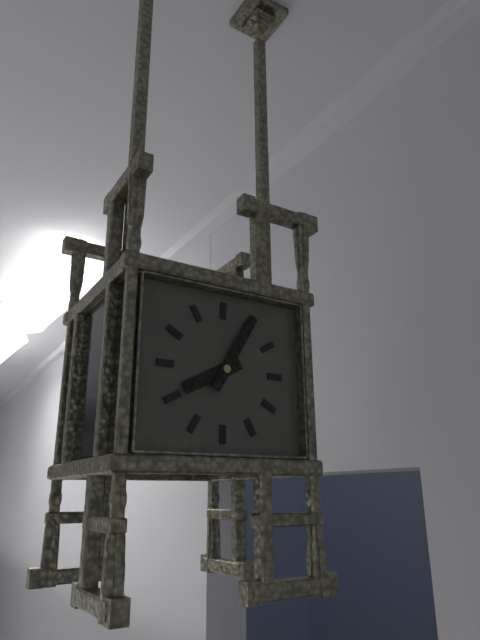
8:05
